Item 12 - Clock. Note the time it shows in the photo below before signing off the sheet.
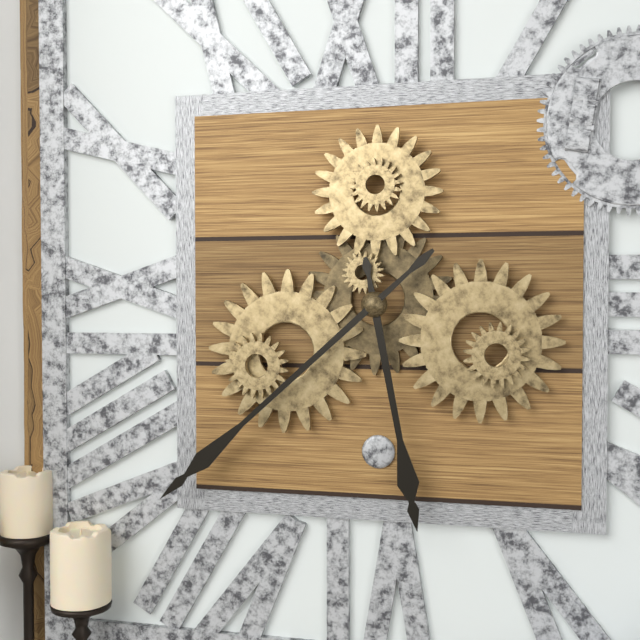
5:38
